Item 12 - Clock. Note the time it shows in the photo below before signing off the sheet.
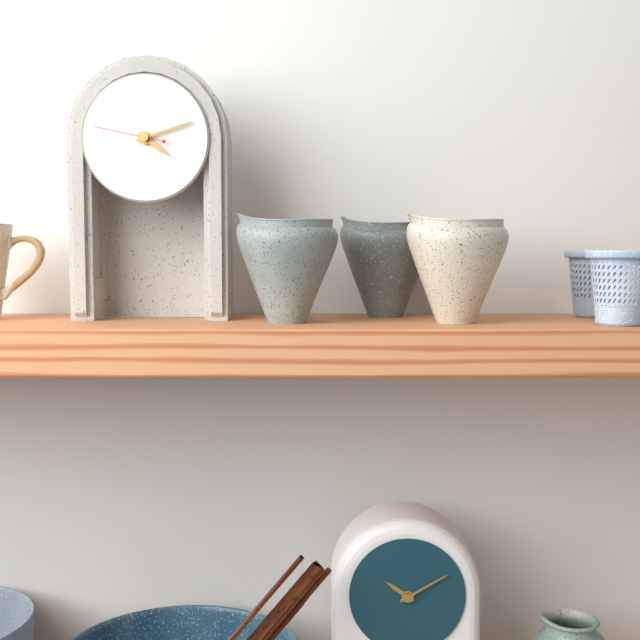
4:12:47
